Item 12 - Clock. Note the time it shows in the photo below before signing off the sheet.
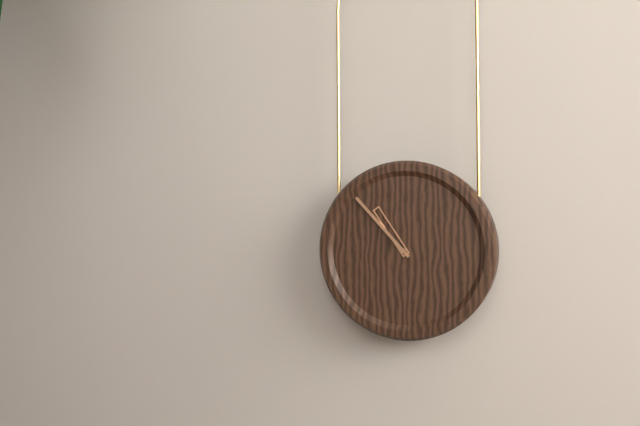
10:53
